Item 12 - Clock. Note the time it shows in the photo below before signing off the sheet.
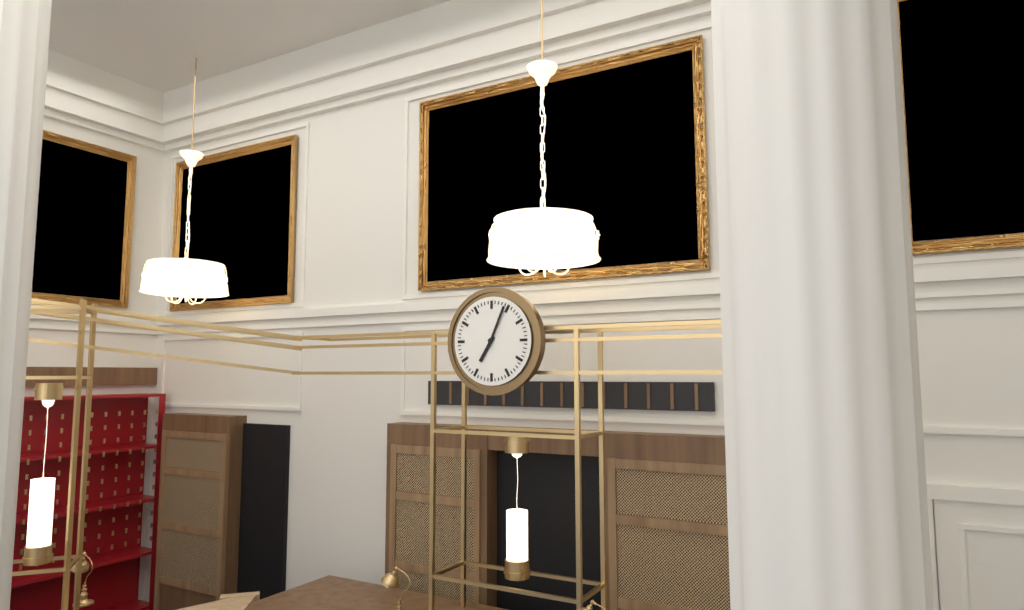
7:04
